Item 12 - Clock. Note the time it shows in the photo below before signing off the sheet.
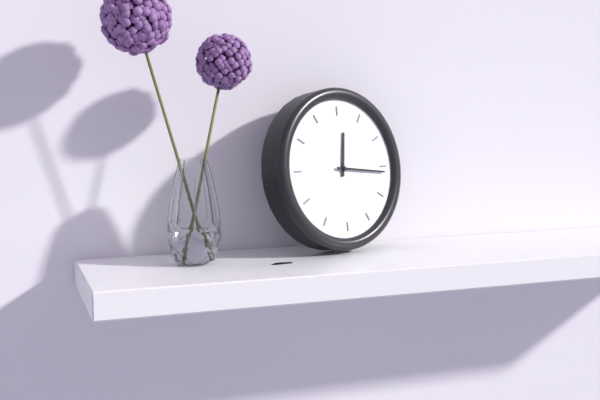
12:16
